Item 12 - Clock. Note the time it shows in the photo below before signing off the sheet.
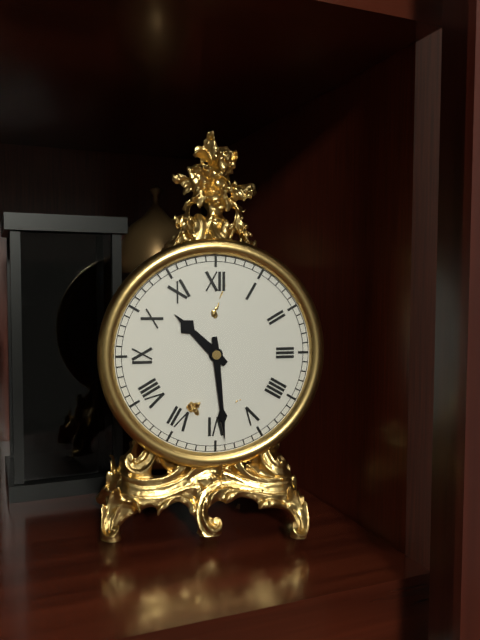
10:29
